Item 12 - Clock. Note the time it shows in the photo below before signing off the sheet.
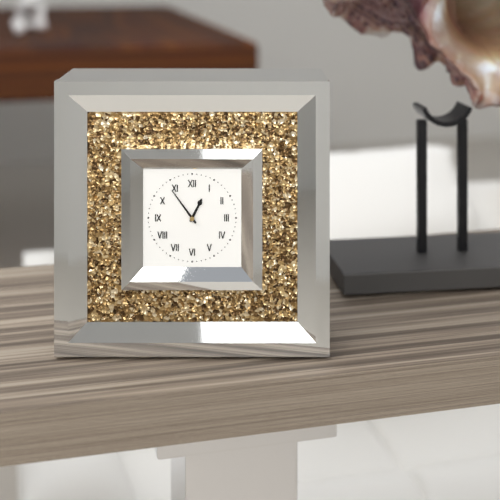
12:54
